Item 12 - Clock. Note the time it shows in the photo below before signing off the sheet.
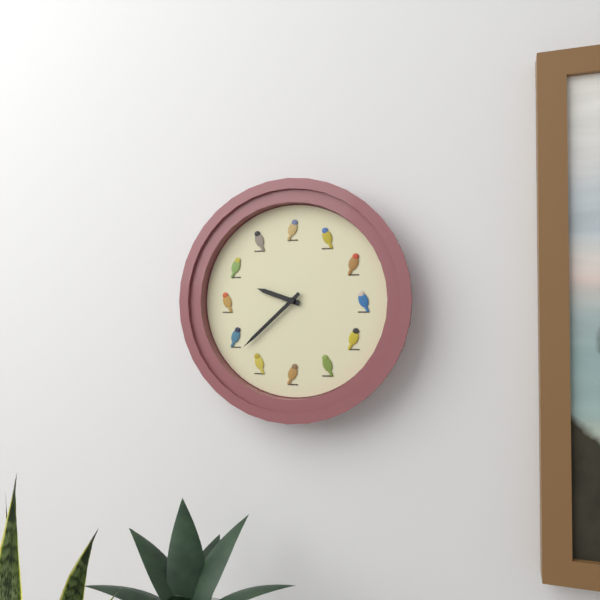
9:38
